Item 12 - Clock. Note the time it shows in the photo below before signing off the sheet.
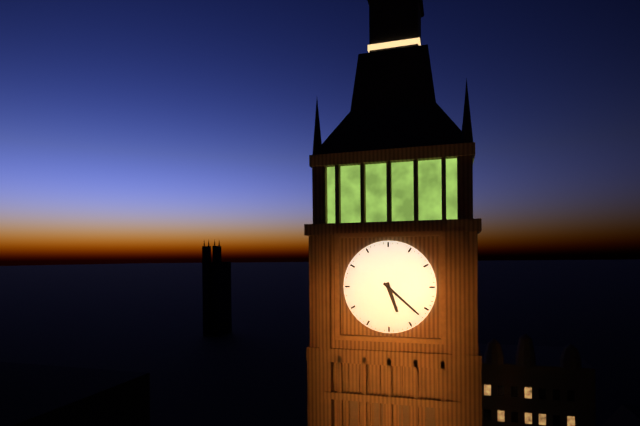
5:22
